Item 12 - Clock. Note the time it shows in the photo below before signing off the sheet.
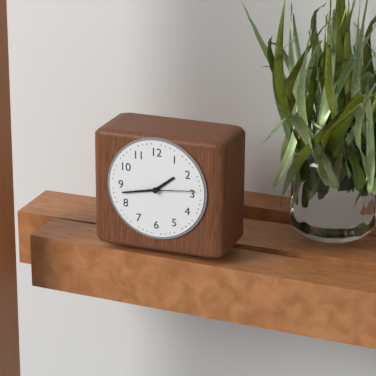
1:43
